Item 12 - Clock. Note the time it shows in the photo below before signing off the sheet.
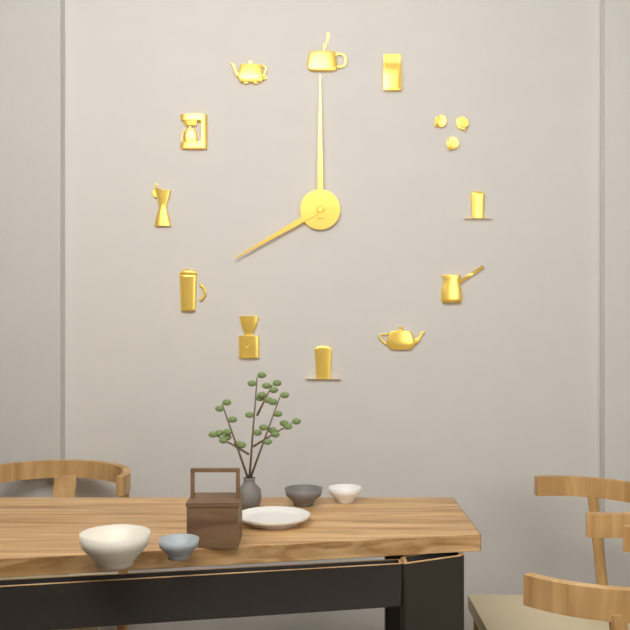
8:00
